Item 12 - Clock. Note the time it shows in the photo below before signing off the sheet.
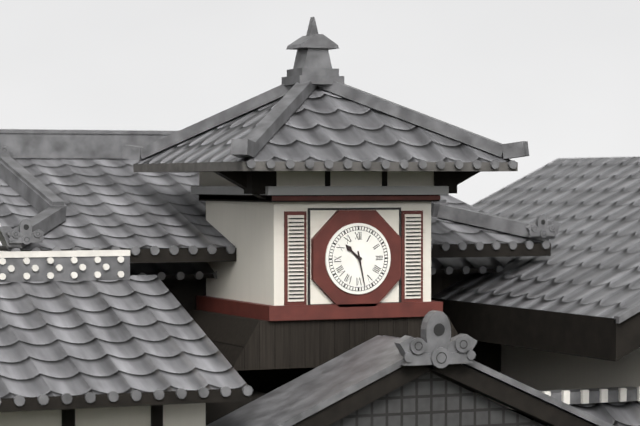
10:28
